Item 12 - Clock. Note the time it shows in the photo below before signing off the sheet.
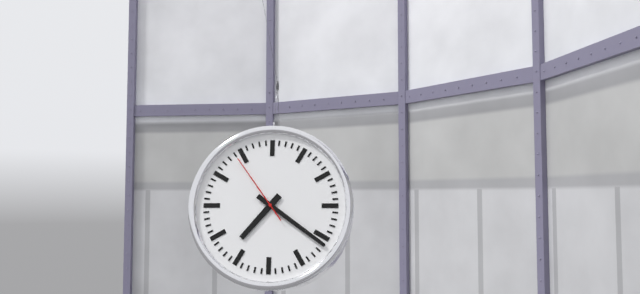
7:21:54
